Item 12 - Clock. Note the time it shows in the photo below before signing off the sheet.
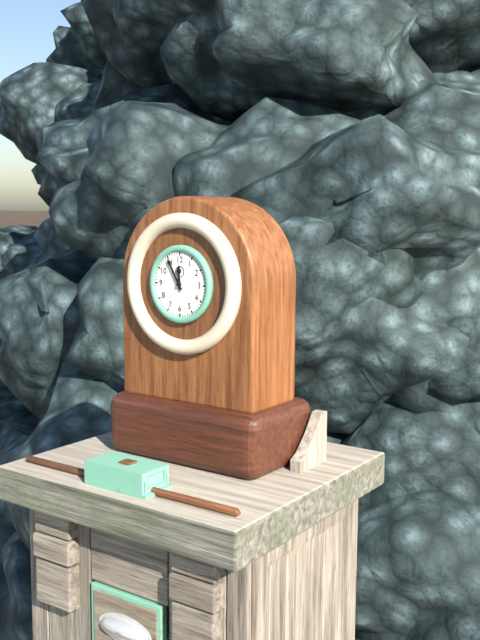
11:55
